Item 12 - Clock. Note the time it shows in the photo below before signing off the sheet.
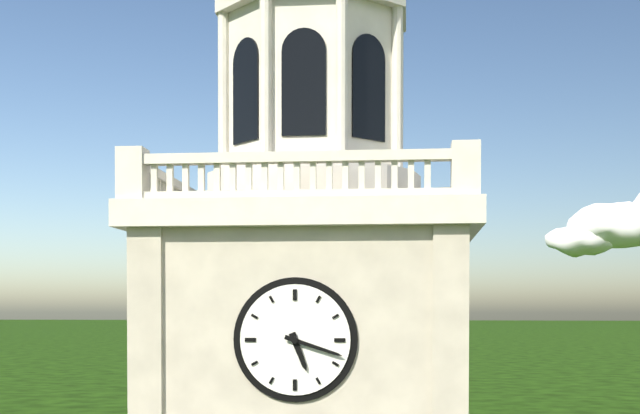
5:18
